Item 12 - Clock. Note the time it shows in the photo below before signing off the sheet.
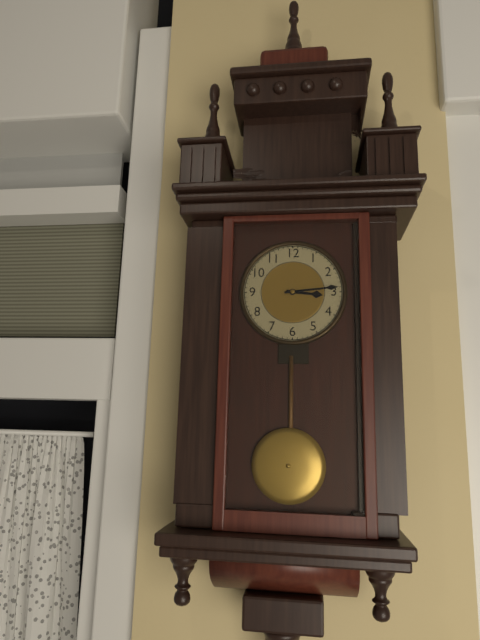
3:14
